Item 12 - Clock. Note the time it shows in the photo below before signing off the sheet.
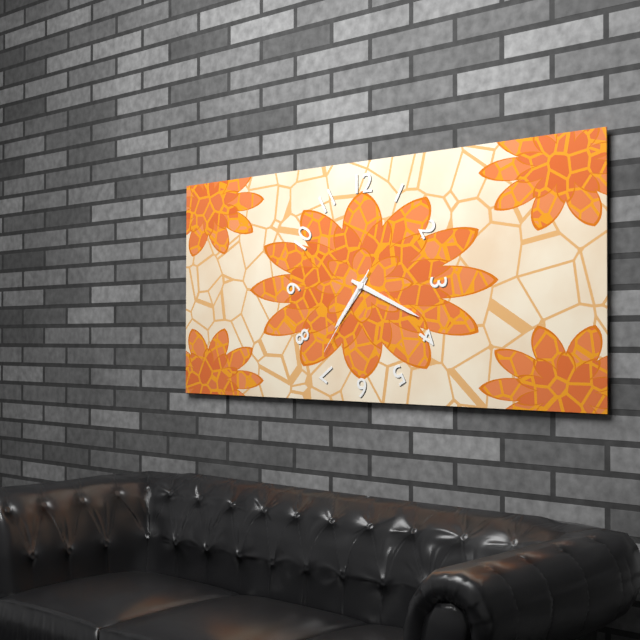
7:19:36
